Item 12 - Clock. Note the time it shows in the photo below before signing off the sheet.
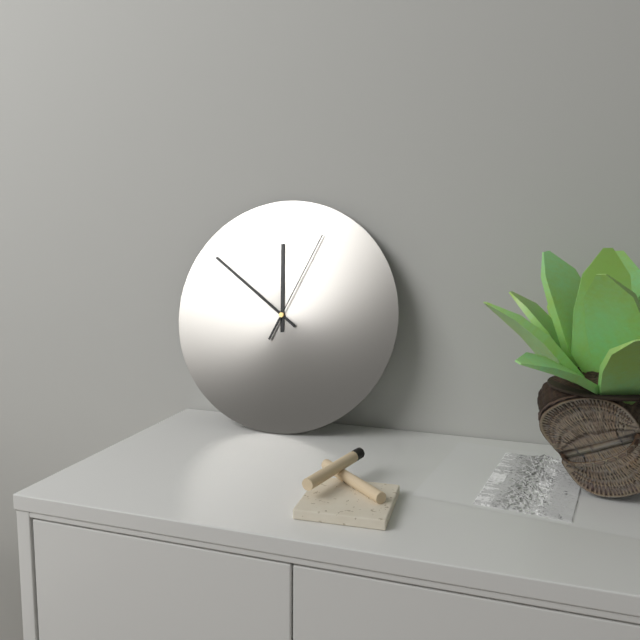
11:51:04
